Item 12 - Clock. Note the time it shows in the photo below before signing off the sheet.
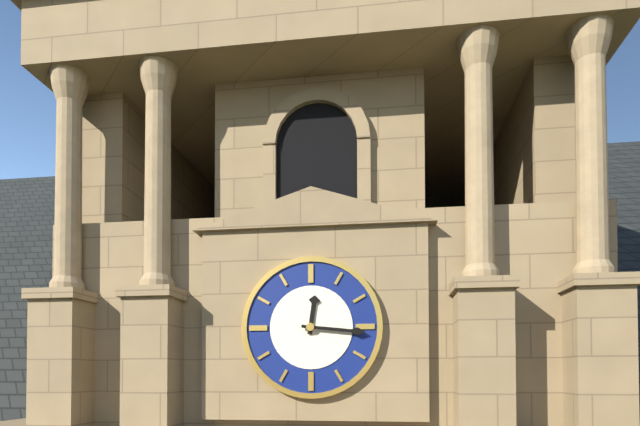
12:16
